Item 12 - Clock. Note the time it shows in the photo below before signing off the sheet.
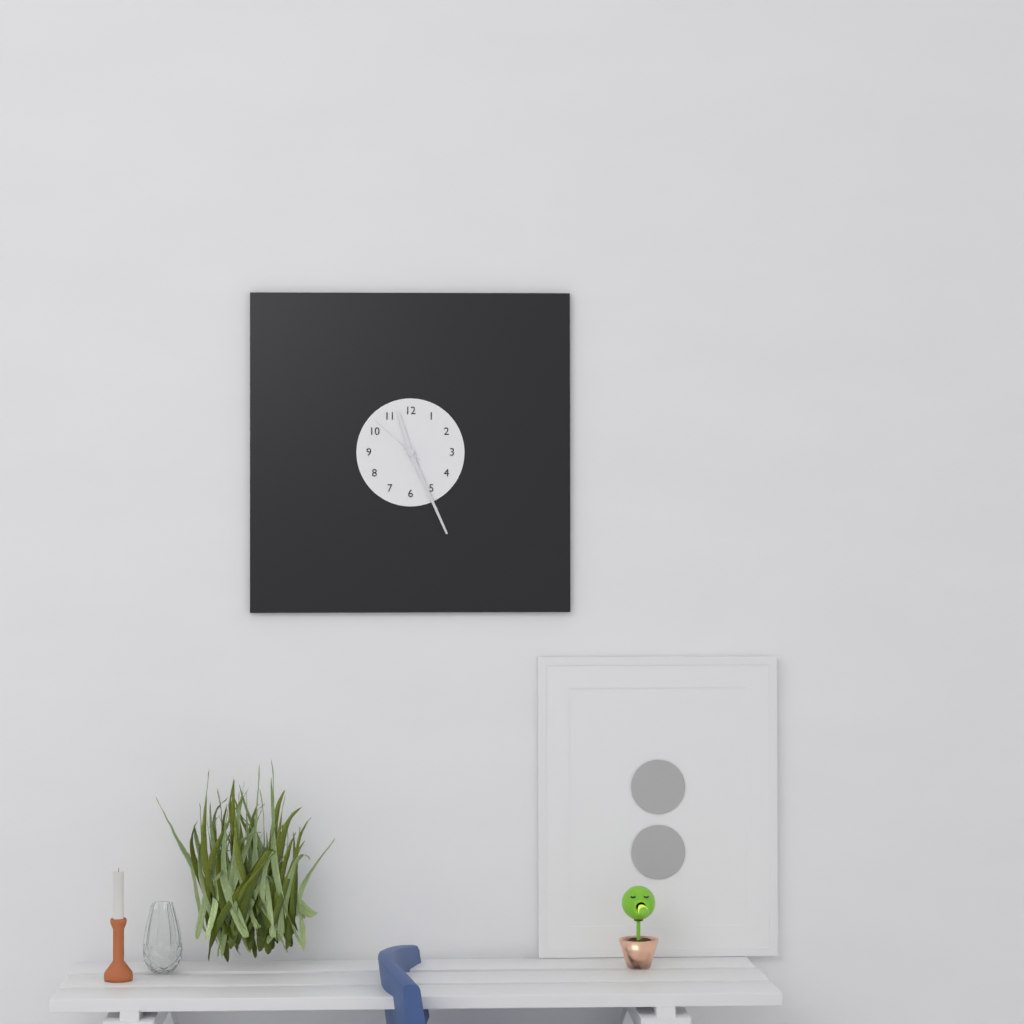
11:26:52
